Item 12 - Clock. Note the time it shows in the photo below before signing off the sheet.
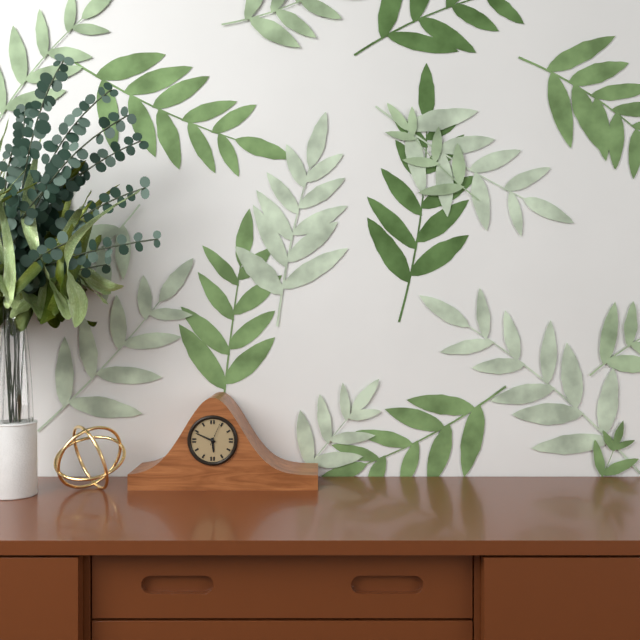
5:49
